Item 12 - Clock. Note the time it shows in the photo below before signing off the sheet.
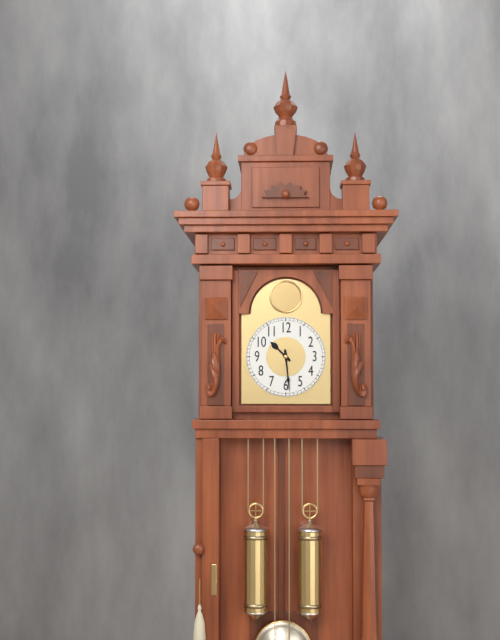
10:29
